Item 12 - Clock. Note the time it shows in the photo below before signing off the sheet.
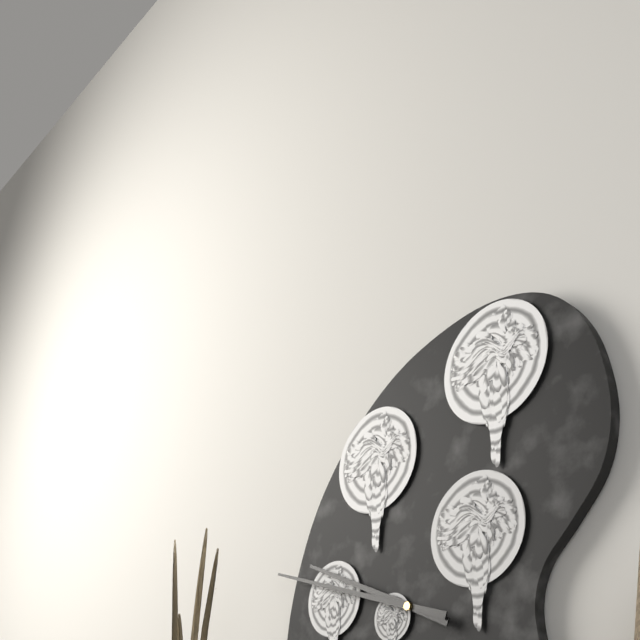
9:48
